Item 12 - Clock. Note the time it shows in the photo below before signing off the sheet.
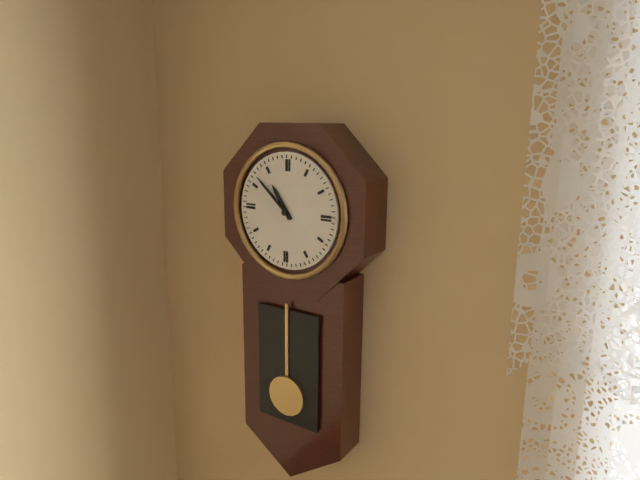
10:52
